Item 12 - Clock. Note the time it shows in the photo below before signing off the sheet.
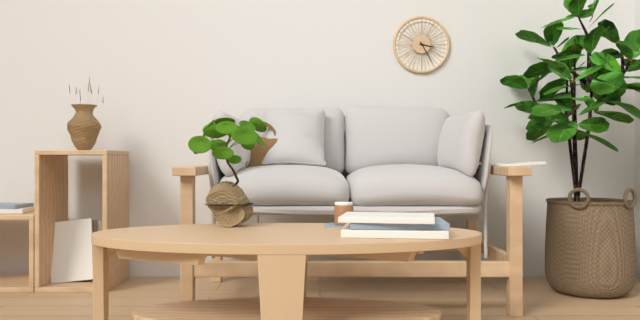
3:25
